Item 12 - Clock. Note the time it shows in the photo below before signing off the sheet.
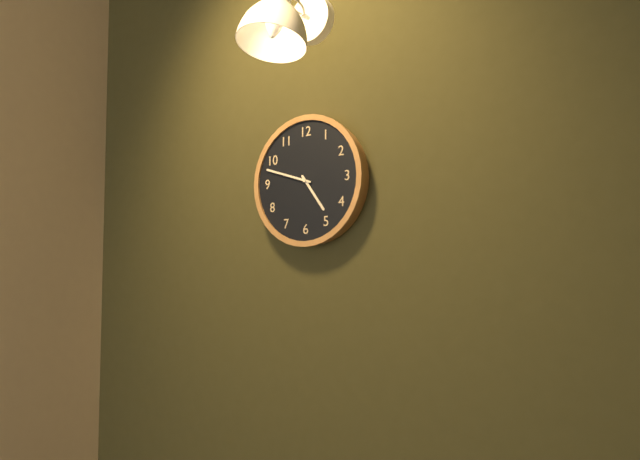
4:48
